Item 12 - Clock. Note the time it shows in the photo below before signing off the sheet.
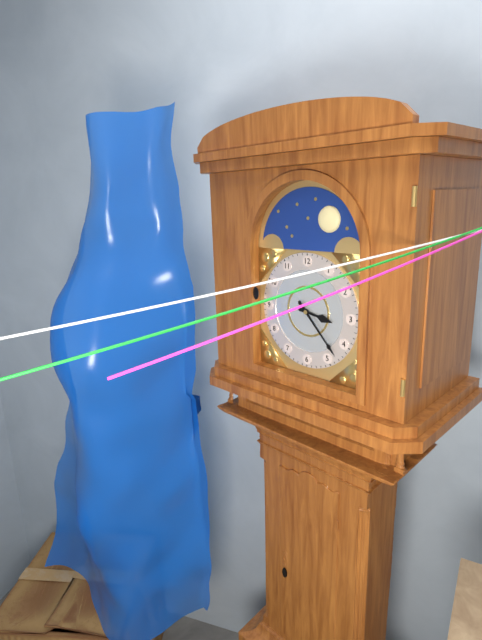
3:23
